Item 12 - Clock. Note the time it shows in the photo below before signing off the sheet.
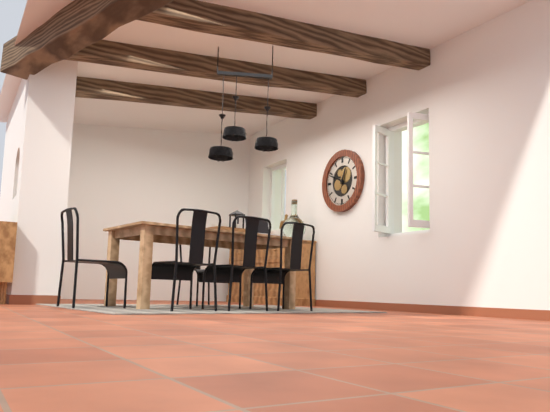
12:49
